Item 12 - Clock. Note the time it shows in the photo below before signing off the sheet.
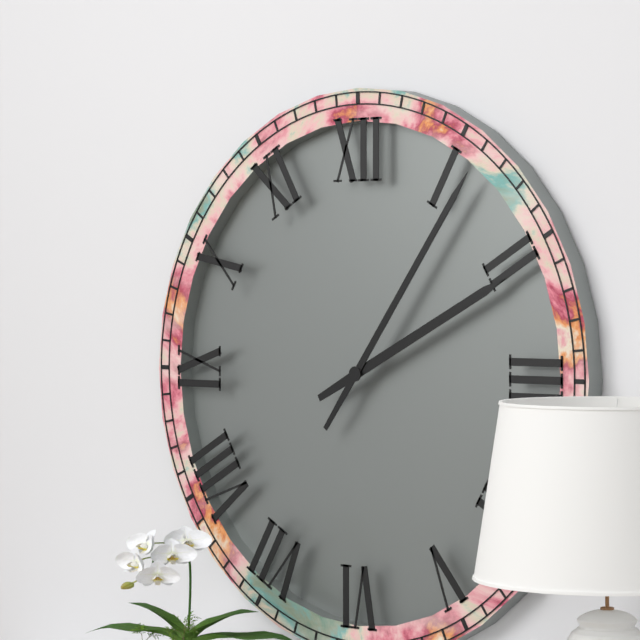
2:06
